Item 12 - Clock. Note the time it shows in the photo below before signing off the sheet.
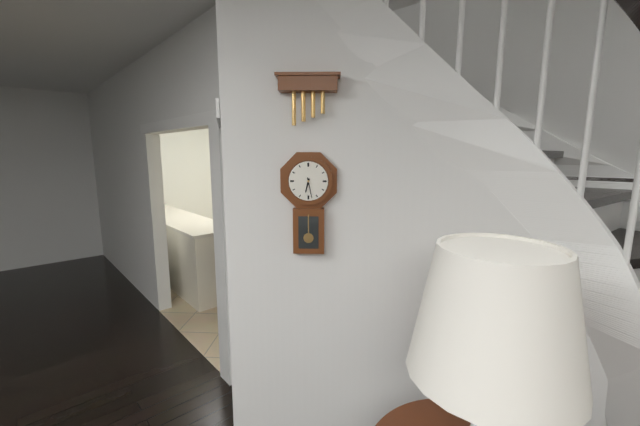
6:28
